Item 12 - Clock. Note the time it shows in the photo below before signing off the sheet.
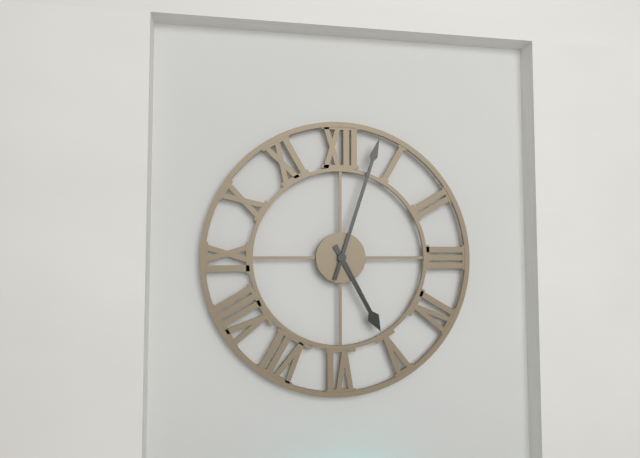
5:03
